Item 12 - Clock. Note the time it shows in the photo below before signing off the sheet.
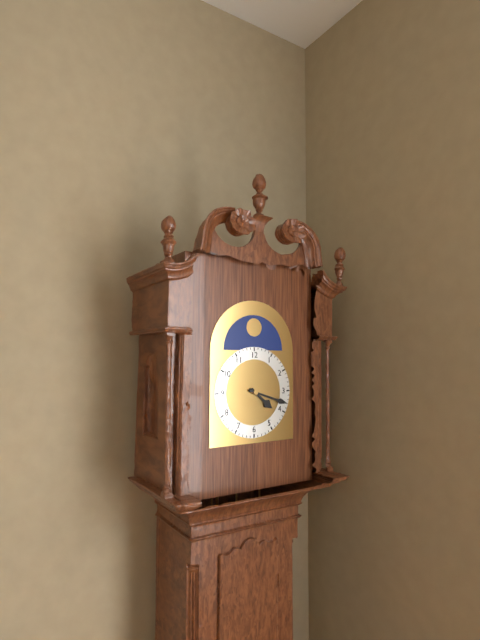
4:18
